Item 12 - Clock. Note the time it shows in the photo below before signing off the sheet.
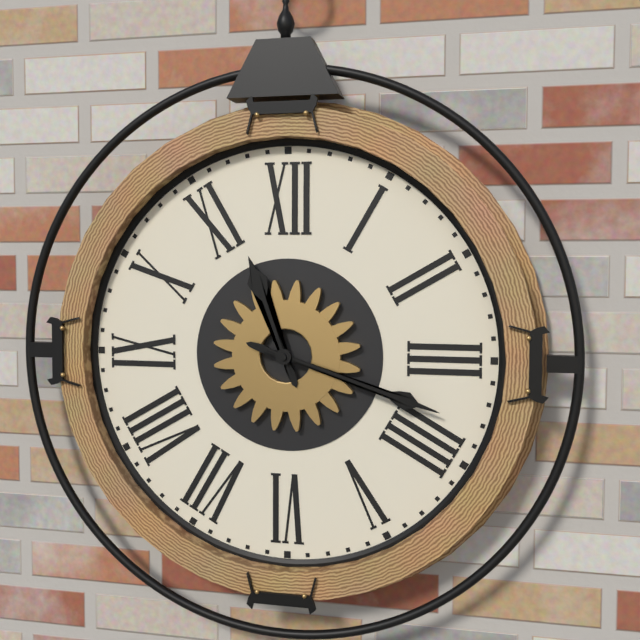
11:18
